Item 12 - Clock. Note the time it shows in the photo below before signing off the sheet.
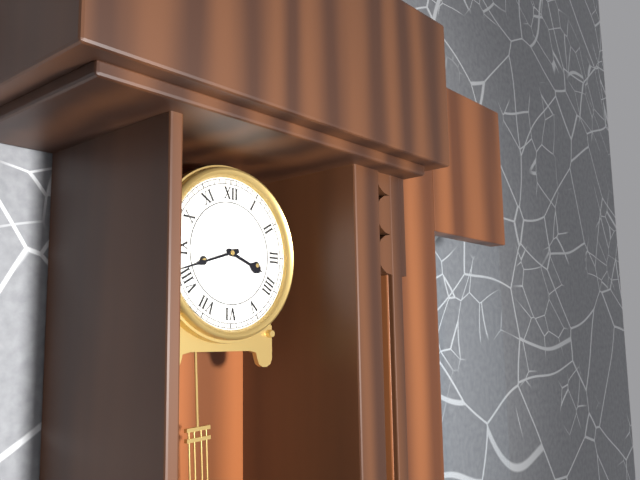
3:42
